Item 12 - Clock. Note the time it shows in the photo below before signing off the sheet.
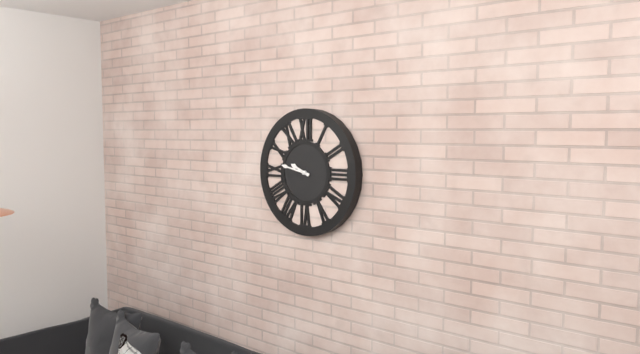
9:47
